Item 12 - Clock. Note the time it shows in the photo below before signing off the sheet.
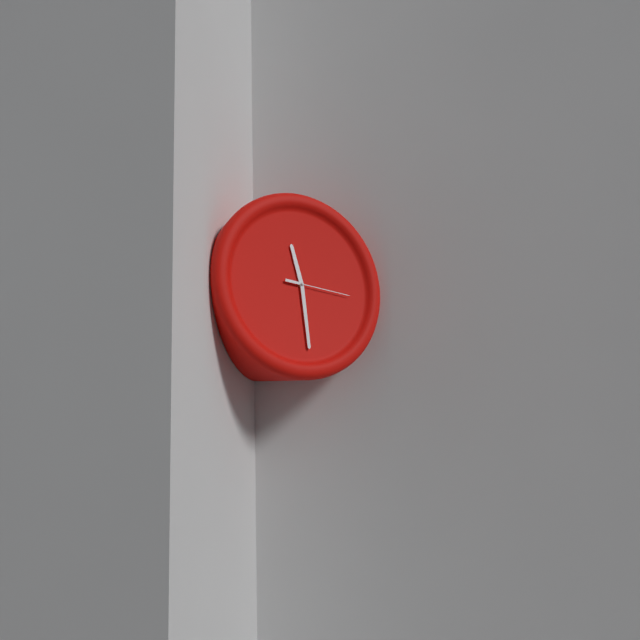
11:29:16
